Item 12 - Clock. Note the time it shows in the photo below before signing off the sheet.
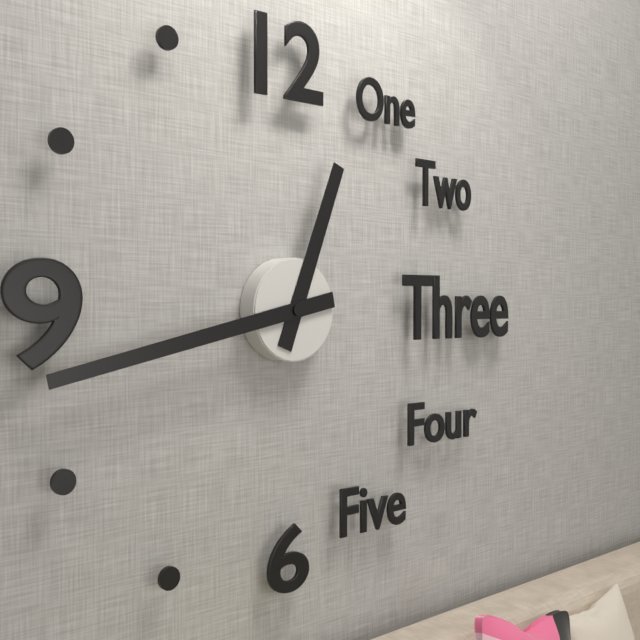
12:43
